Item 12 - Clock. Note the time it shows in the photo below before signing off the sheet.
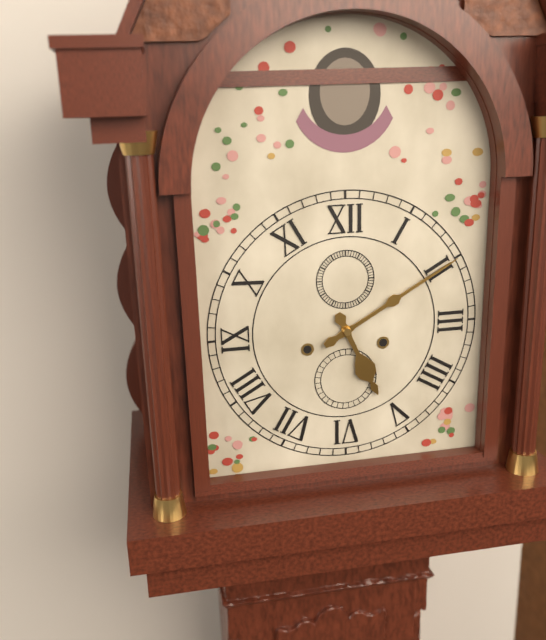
5:10
